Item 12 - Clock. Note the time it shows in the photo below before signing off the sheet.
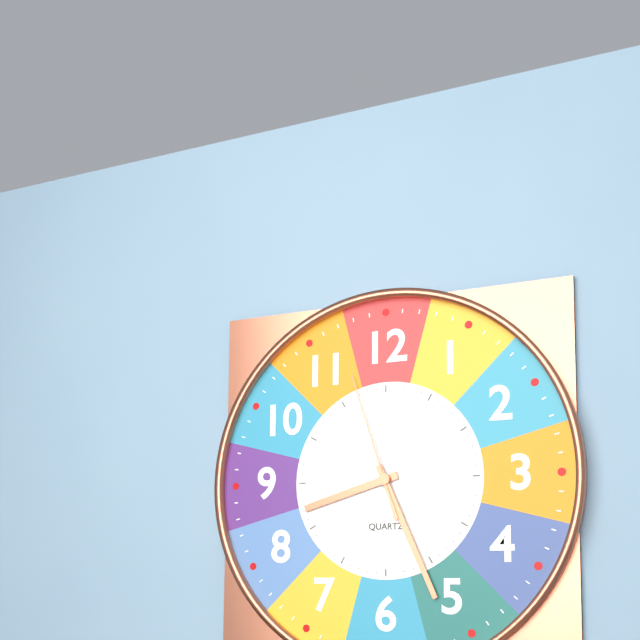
8:26:57
